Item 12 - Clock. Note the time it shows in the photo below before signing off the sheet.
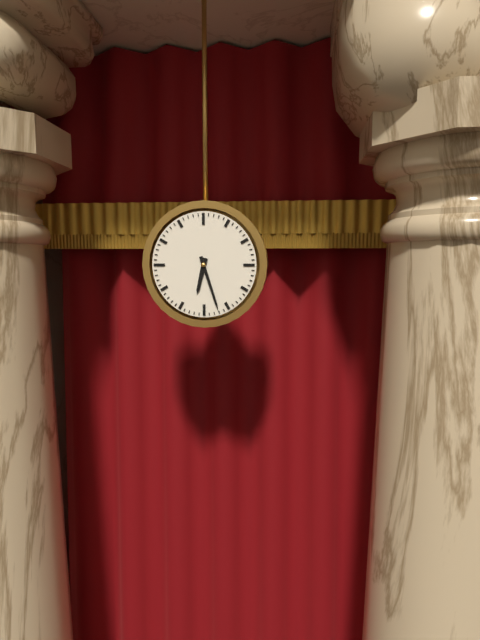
6:27
